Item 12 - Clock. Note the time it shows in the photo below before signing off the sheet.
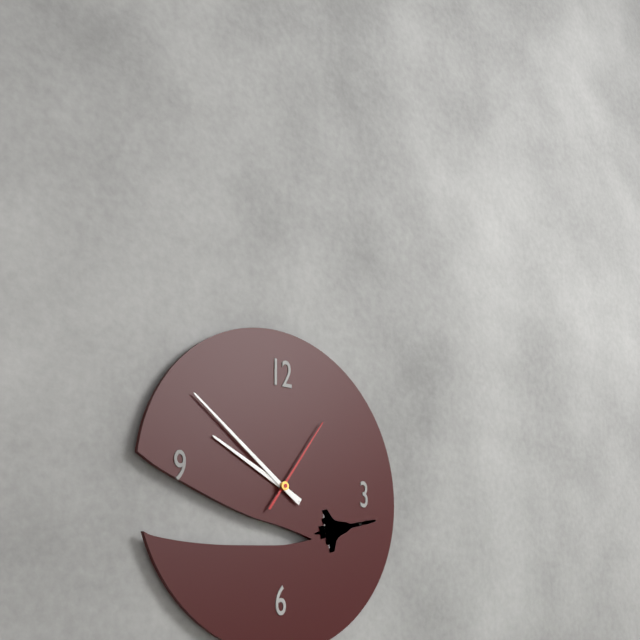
9:51:06
